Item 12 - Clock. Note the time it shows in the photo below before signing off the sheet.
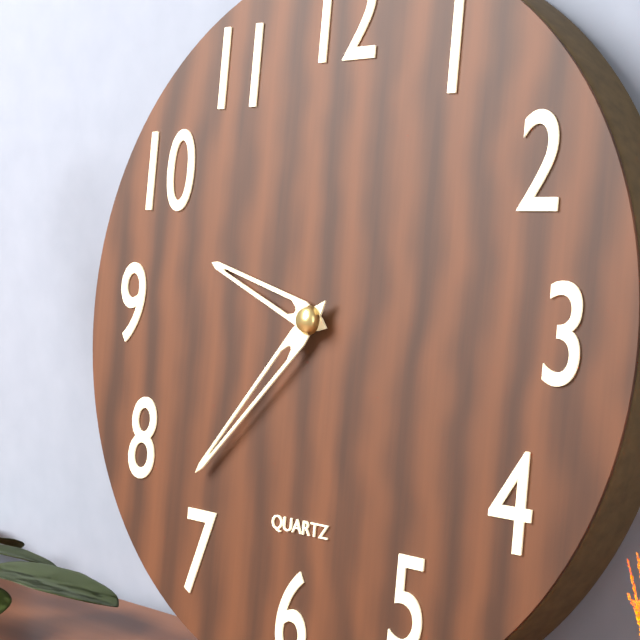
9:37
